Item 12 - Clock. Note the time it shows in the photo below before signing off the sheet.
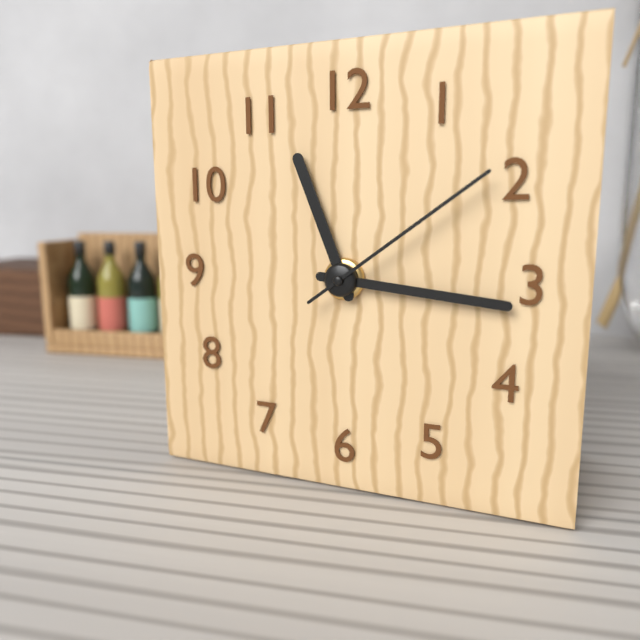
11:16:09
